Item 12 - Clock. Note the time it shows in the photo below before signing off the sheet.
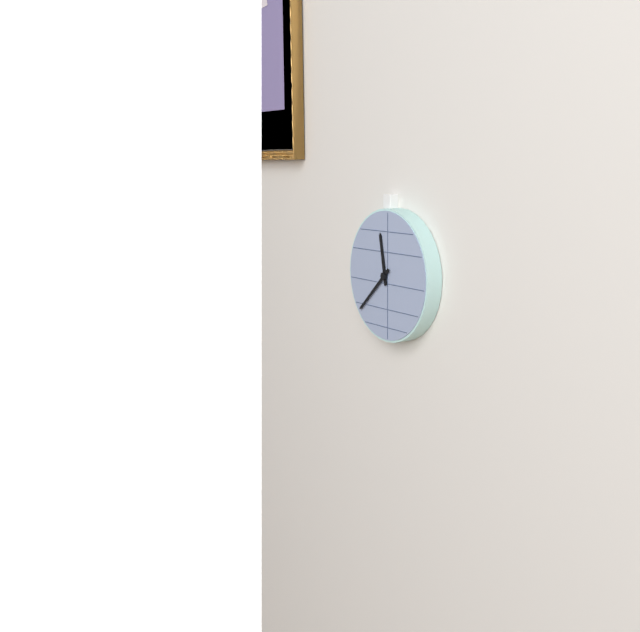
11:38
